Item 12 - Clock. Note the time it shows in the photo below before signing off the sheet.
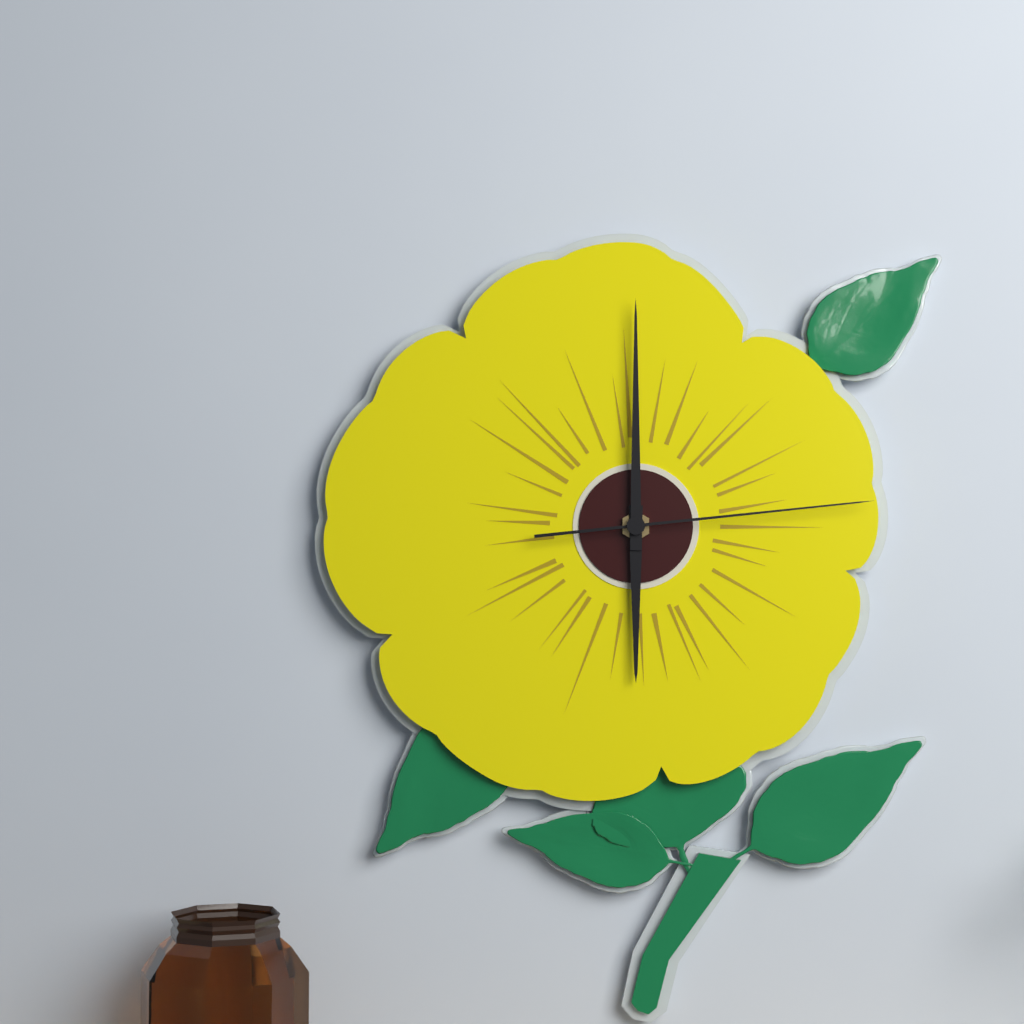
6:00:14
